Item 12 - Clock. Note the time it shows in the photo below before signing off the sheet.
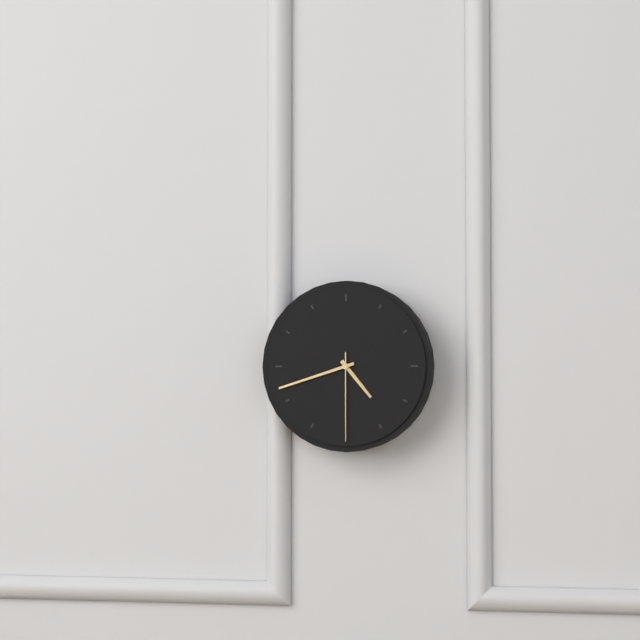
4:42:30
